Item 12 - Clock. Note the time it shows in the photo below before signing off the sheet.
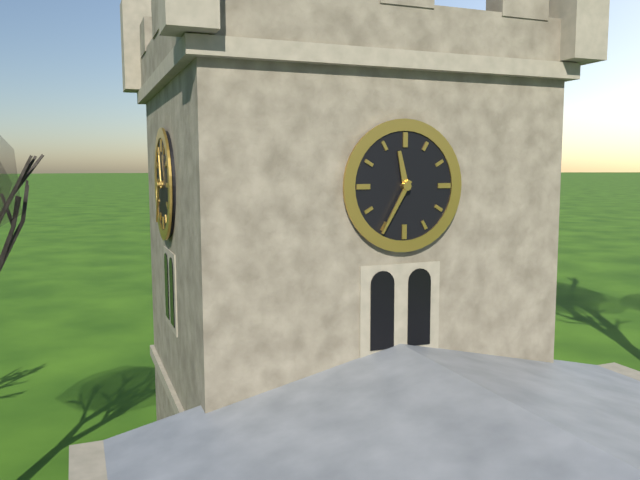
11:35
